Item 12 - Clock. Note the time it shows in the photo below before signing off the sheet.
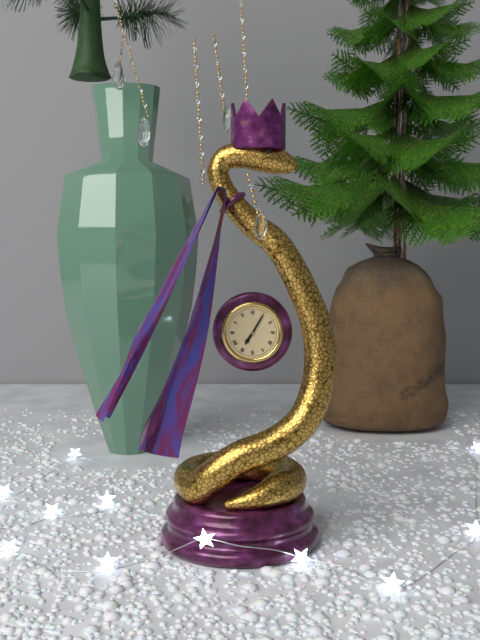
7:05
